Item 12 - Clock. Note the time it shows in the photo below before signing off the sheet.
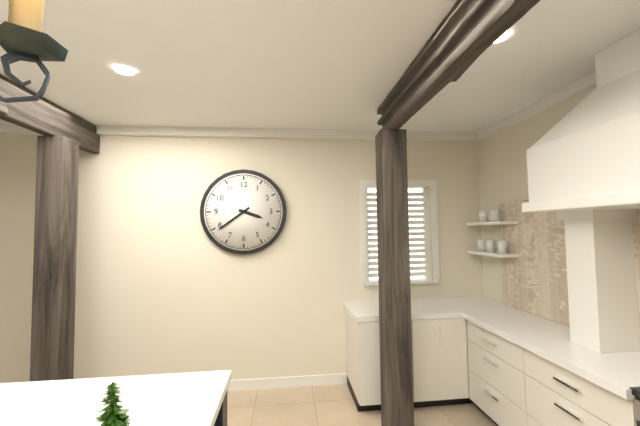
3:39
